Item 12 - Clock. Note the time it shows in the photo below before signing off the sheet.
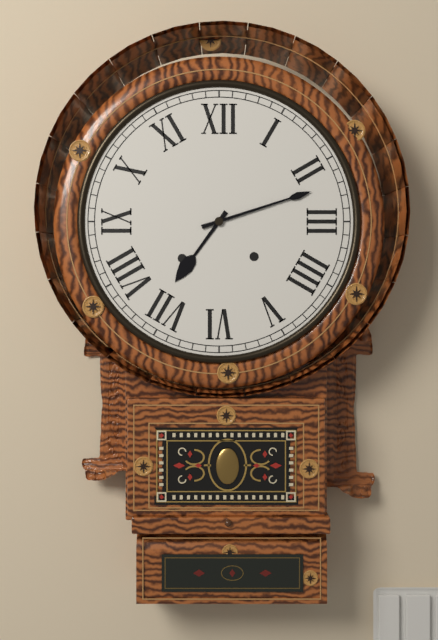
7:12
